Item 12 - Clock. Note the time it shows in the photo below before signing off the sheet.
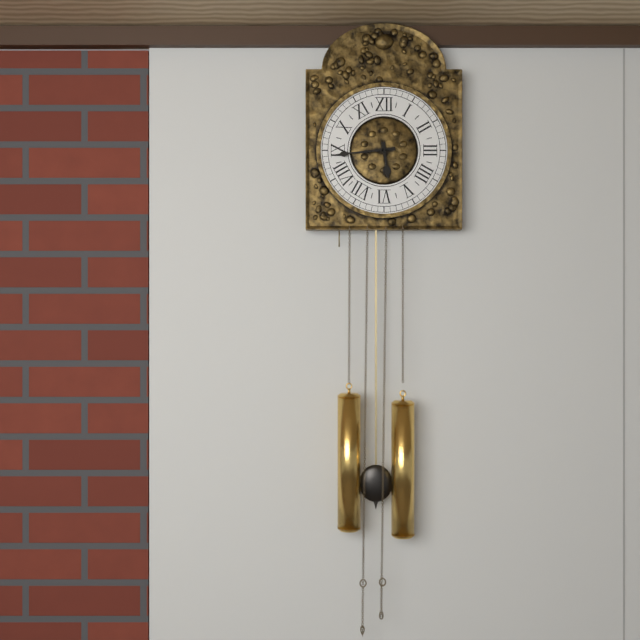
5:44
